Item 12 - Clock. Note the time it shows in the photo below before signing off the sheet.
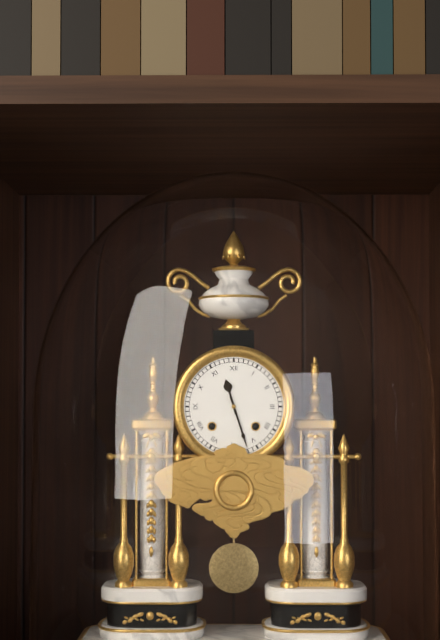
11:27
